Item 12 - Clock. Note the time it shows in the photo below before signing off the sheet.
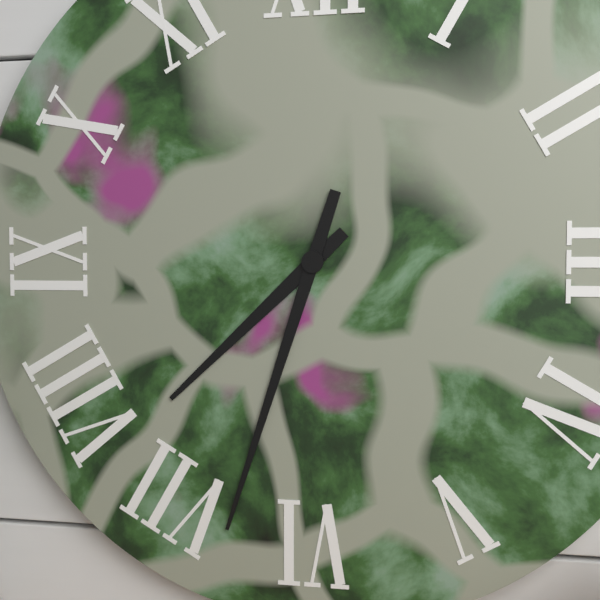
7:33
